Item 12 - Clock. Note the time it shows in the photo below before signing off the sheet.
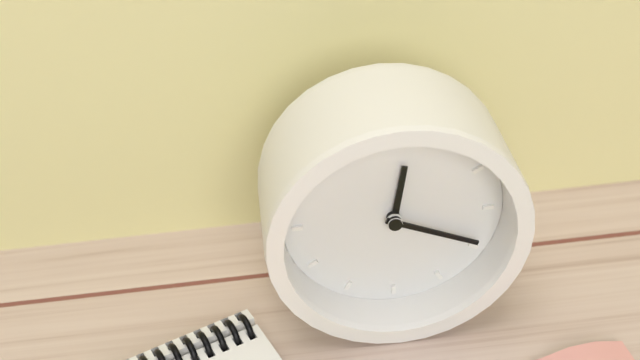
12:19
